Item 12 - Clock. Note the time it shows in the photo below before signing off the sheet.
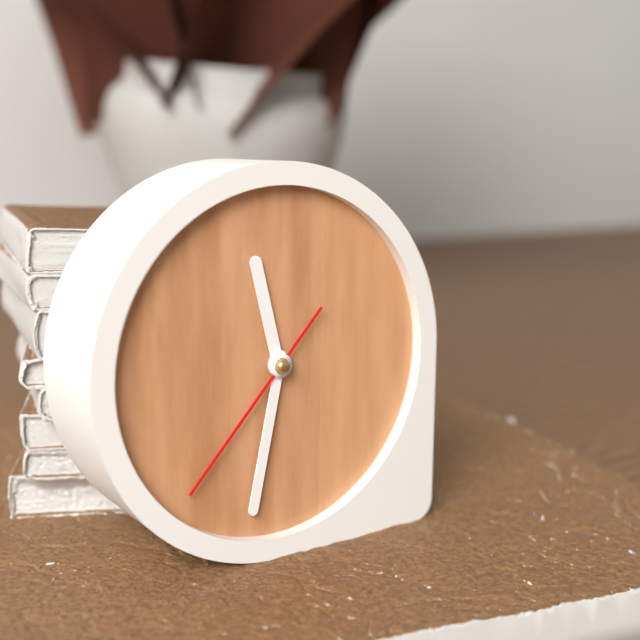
11:32:37
